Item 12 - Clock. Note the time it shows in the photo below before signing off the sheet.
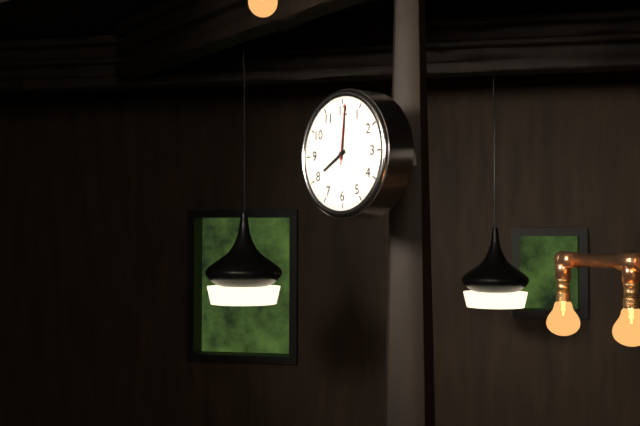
8:01:01
